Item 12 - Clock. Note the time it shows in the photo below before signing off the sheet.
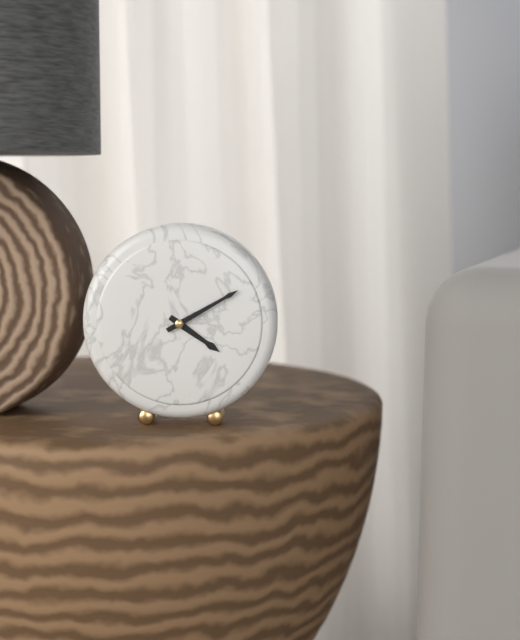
4:10
